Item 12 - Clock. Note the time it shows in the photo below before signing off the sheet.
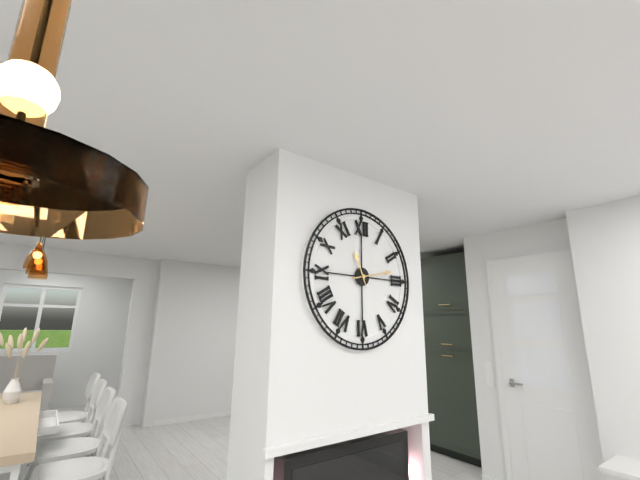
11:13
